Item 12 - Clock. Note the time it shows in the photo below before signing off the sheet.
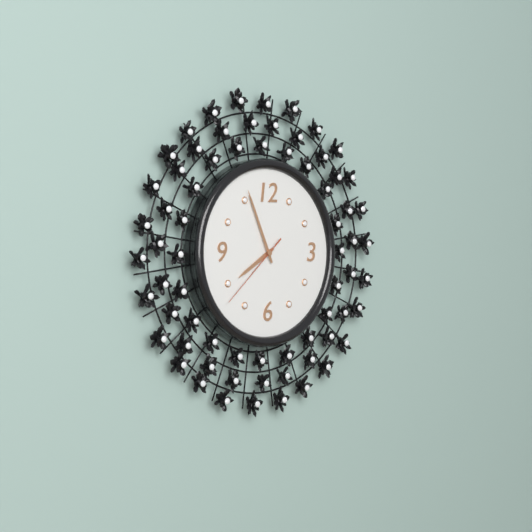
7:56:38
